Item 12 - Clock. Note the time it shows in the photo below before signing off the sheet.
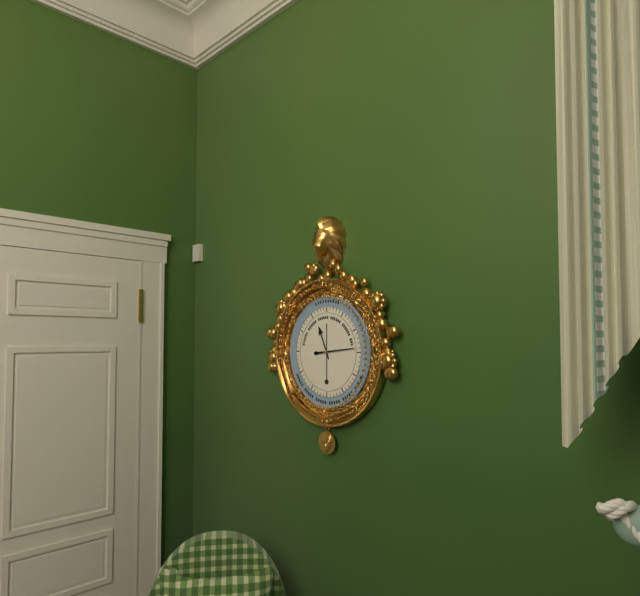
11:14
